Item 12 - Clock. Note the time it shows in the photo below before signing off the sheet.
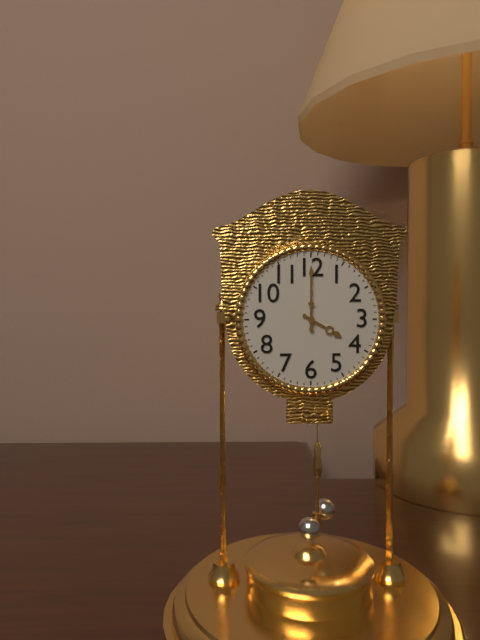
4:00
